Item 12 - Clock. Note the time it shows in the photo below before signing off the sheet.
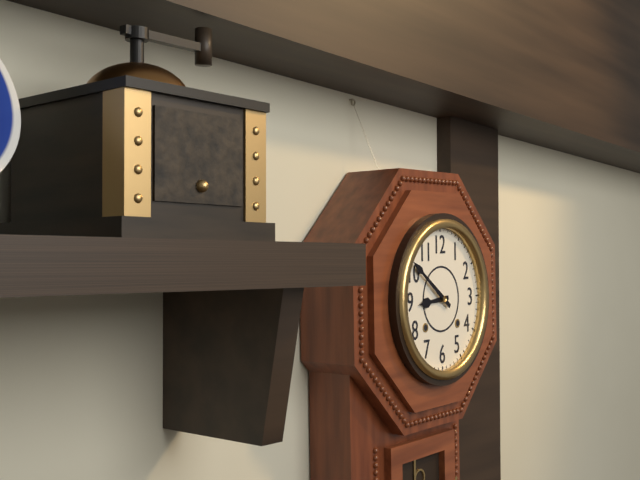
8:51
